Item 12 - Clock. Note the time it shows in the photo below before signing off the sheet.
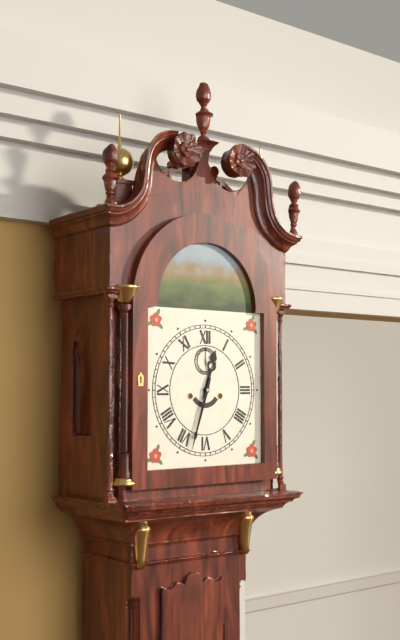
12:33
